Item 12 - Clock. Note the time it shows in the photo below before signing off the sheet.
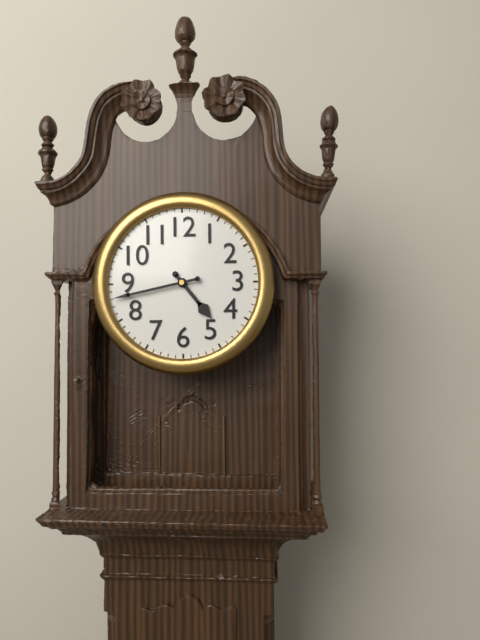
4:43
